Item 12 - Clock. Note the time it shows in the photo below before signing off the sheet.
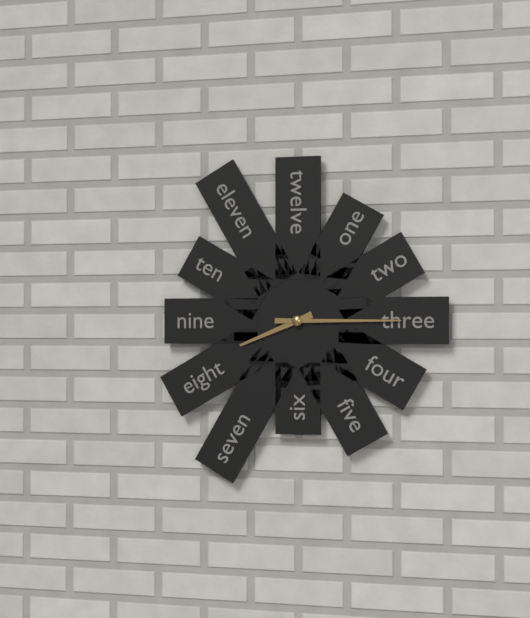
8:15
